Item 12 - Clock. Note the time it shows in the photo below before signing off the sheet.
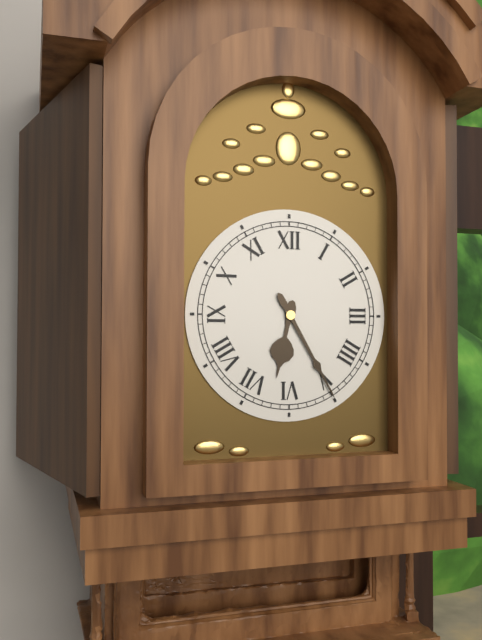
6:25
